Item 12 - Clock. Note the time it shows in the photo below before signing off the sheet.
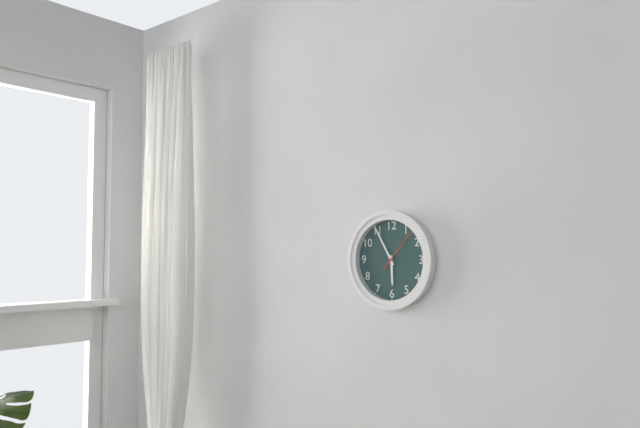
5:55
